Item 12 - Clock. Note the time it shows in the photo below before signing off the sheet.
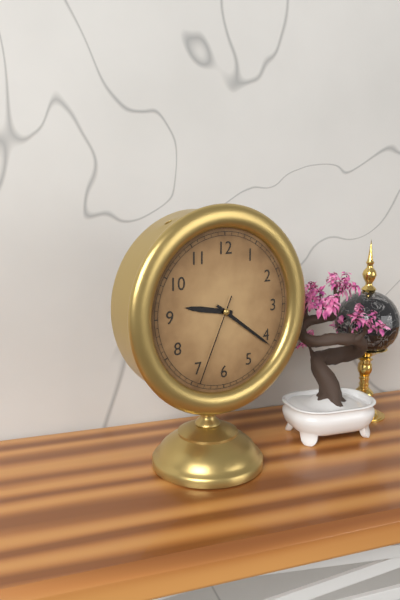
9:21:34
